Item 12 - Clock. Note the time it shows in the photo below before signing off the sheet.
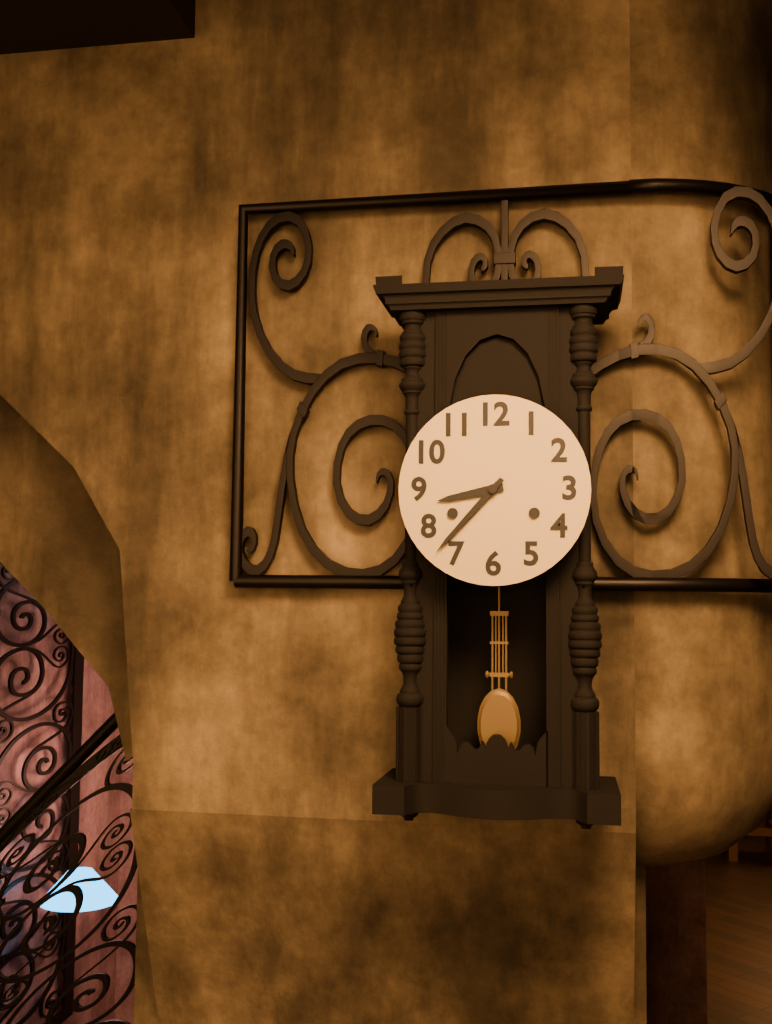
8:37
